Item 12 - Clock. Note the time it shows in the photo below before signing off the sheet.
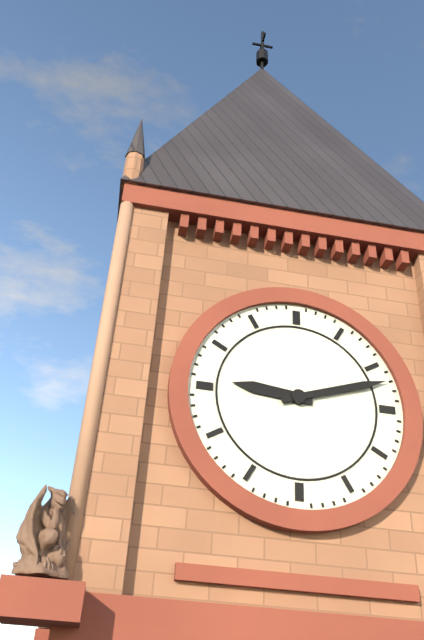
9:12
